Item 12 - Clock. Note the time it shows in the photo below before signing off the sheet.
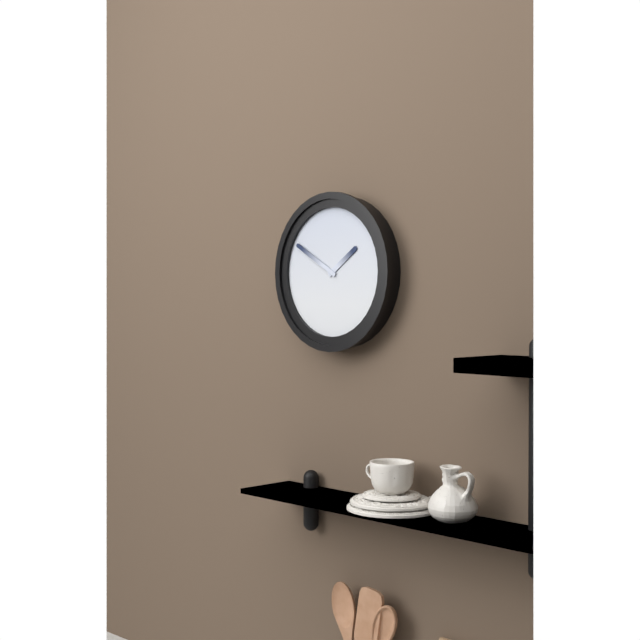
1:50
